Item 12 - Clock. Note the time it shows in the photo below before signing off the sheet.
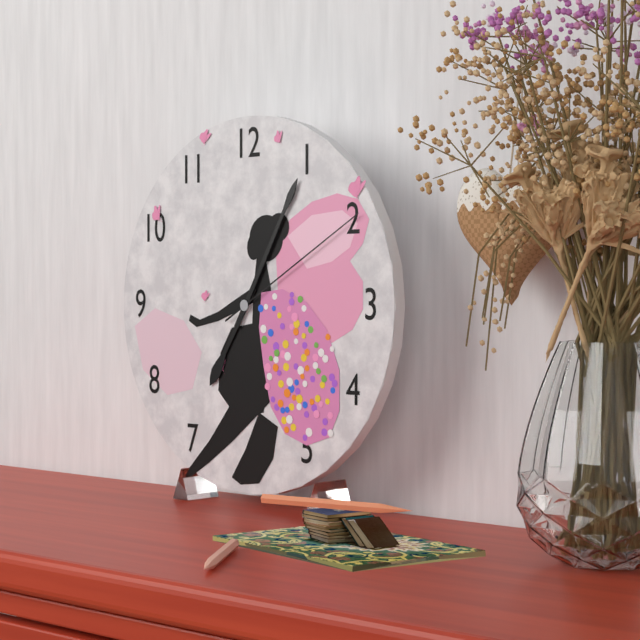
7:05:10
